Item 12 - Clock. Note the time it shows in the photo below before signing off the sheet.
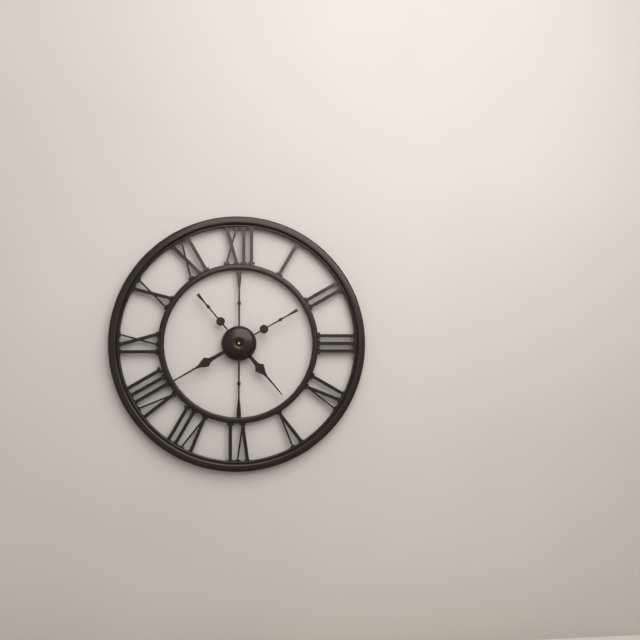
4:40
